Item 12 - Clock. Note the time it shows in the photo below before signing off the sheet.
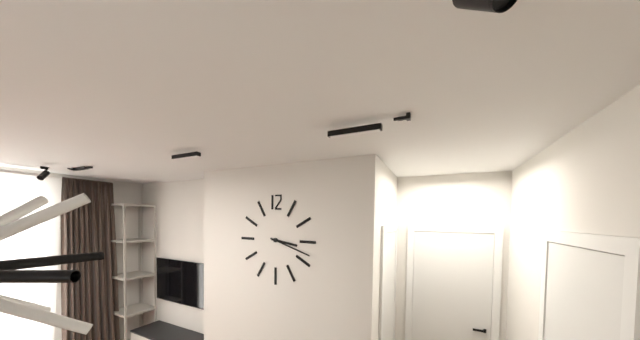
3:18
